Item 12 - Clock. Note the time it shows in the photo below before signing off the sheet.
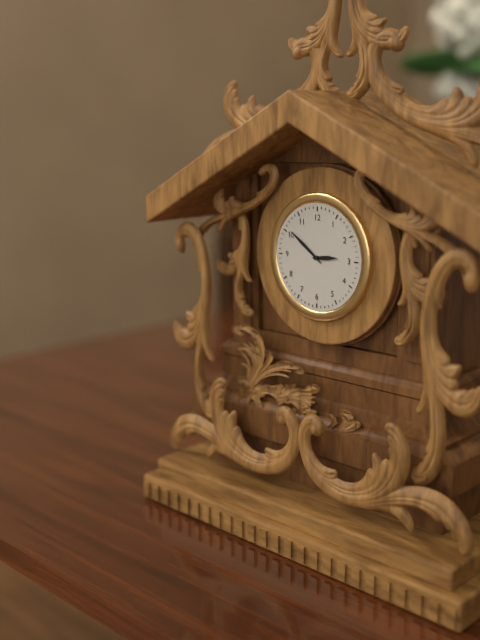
2:51
